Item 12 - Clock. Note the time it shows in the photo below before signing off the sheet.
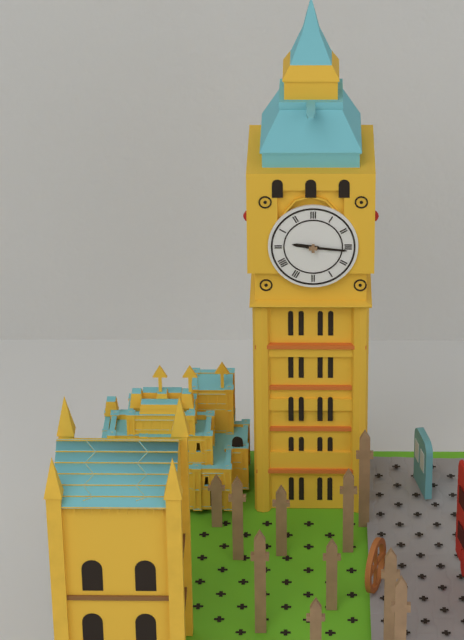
9:16
